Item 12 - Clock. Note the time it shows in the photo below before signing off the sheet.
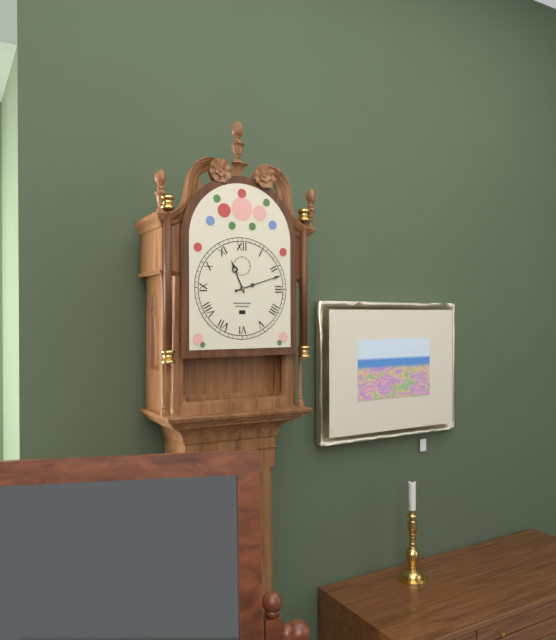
11:12
